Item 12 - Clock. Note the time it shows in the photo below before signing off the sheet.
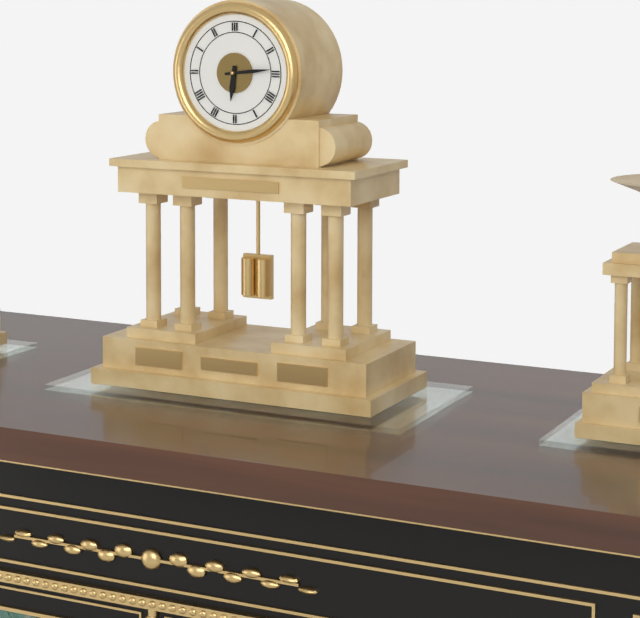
6:14
